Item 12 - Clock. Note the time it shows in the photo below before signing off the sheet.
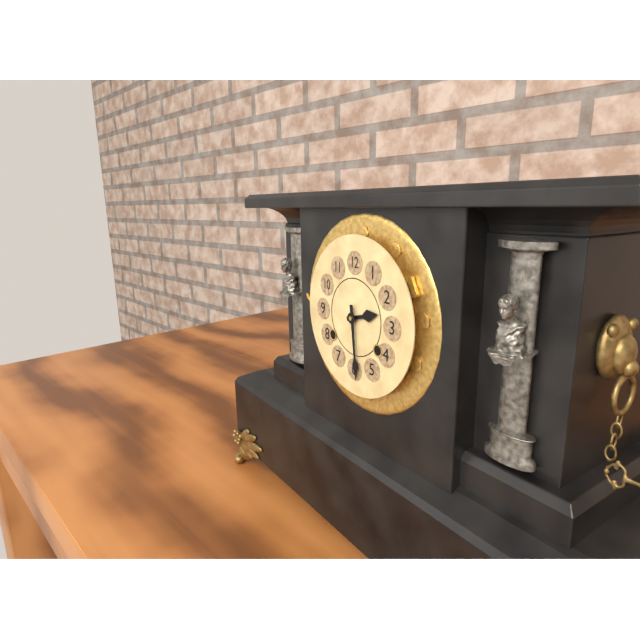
2:29
